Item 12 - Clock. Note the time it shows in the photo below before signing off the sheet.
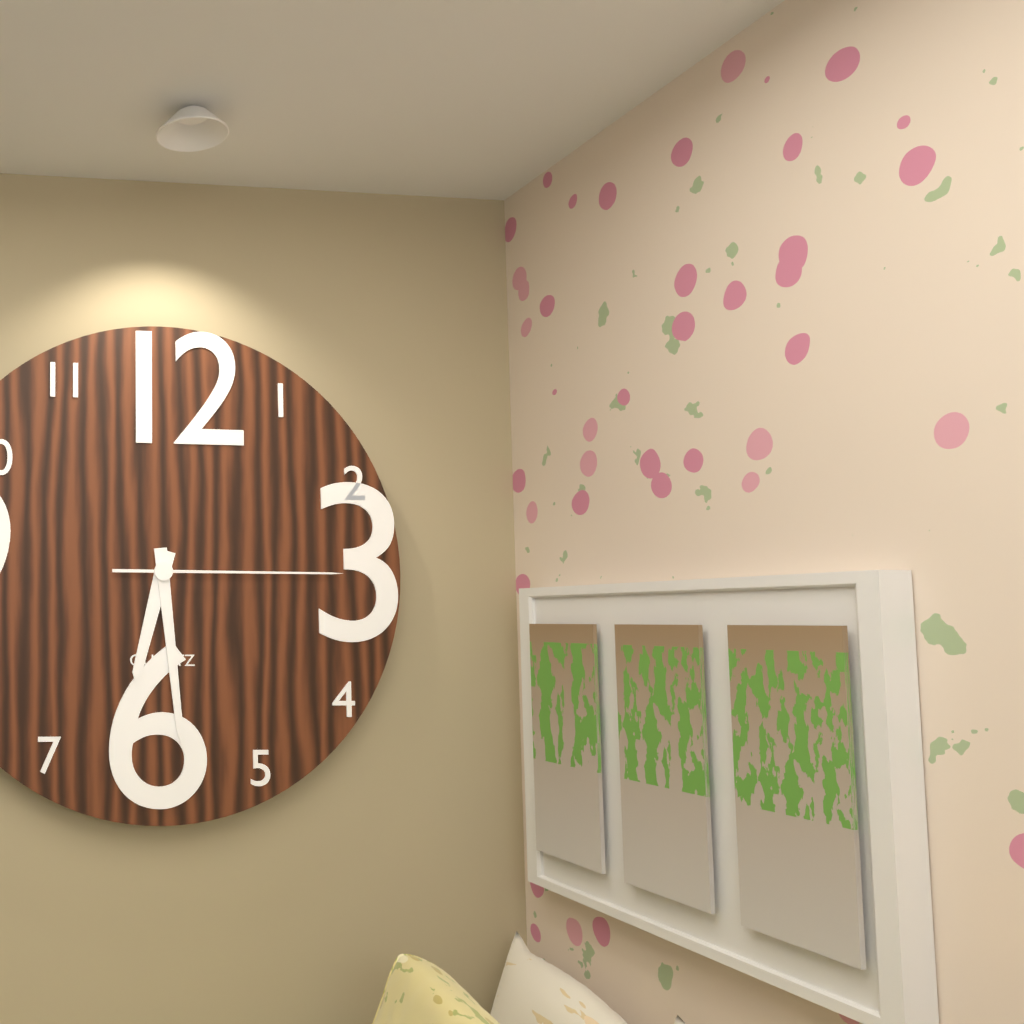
6:29:15
